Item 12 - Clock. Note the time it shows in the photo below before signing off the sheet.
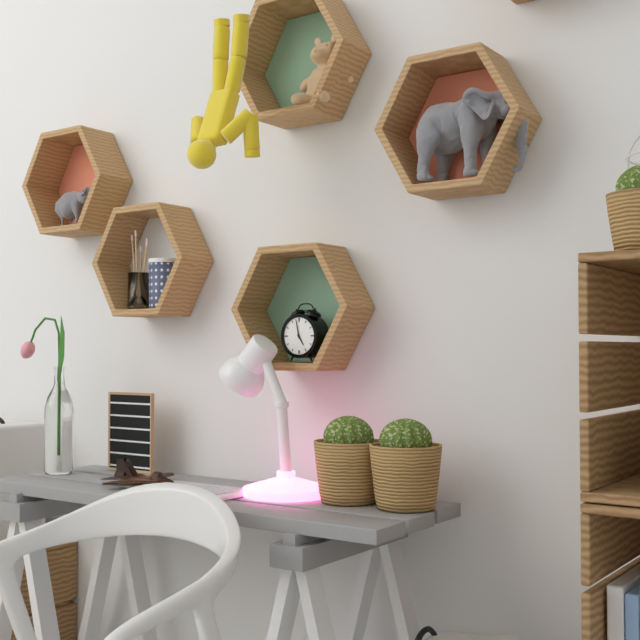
4:58
